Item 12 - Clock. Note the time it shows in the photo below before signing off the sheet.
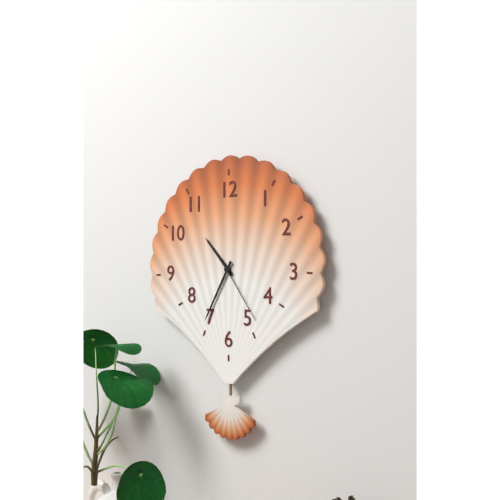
10:35:24
